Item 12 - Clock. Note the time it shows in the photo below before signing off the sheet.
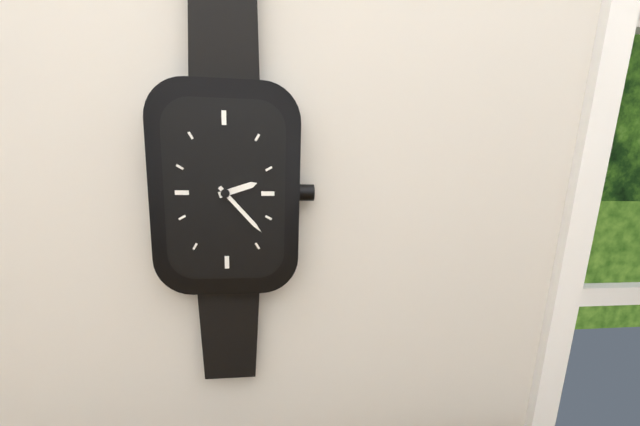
2:23
